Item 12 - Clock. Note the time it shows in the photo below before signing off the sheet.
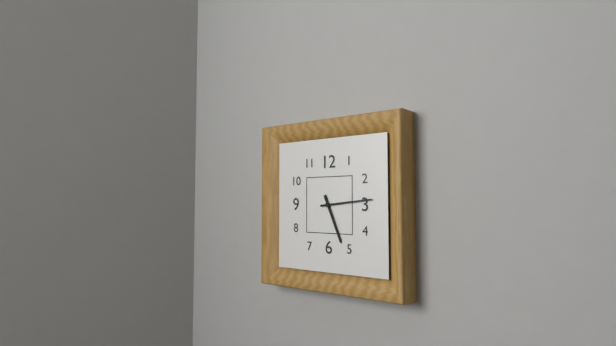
5:14
